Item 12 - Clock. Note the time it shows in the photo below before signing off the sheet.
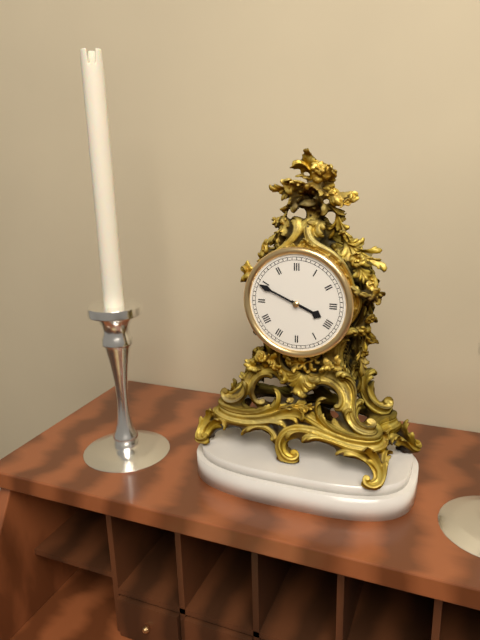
3:49
